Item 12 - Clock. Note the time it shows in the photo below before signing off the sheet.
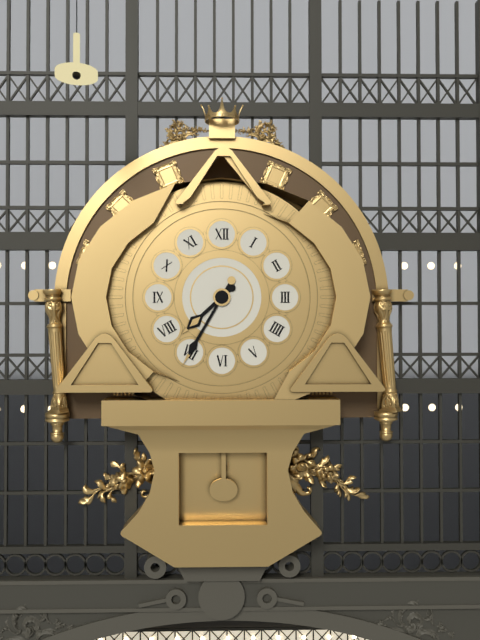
7:35
